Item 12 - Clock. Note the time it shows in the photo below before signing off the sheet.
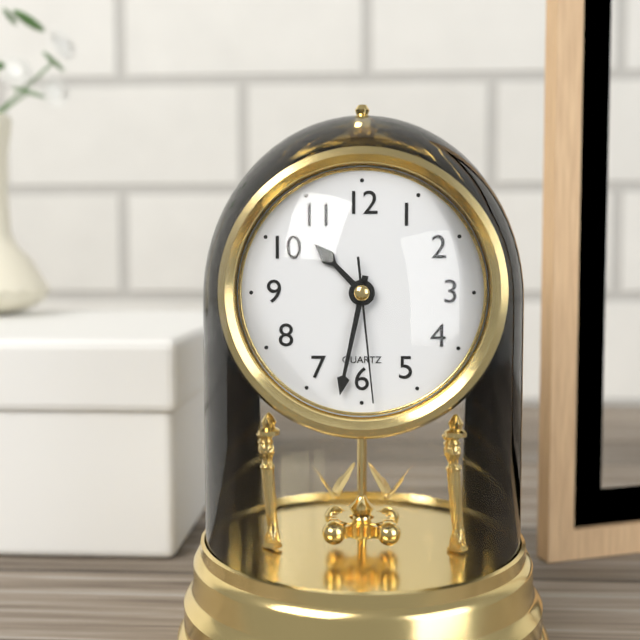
10:32:29
